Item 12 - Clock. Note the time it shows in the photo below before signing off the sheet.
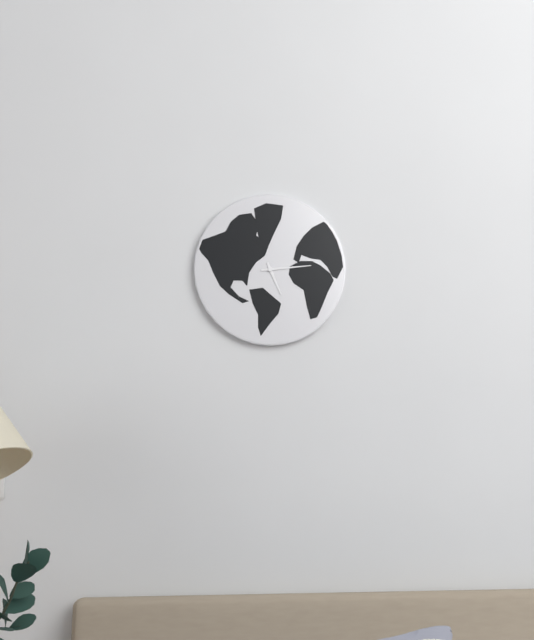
5:14
